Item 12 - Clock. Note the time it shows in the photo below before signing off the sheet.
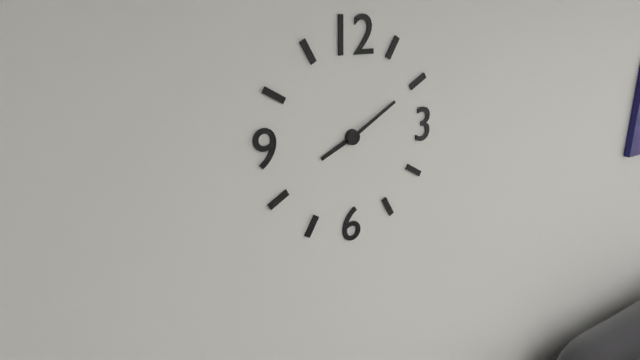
8:10
